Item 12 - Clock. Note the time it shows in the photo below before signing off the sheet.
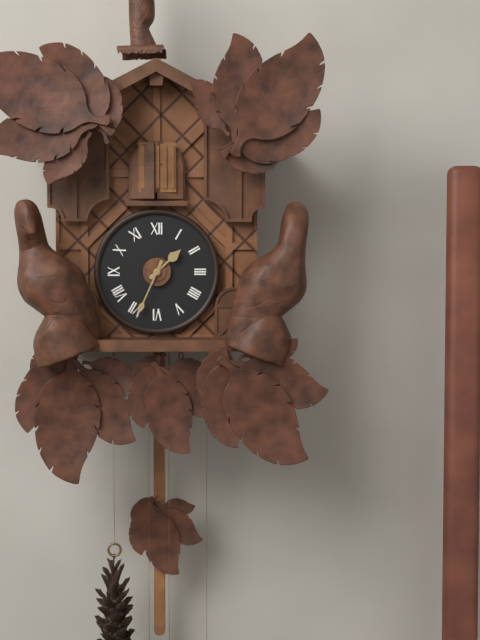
1:34
